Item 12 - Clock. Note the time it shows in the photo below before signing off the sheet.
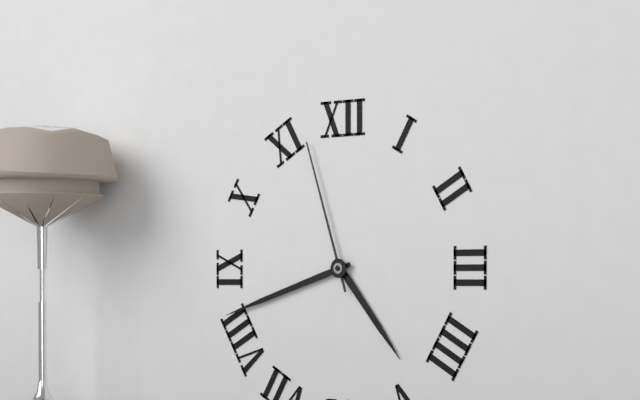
4:42:57
